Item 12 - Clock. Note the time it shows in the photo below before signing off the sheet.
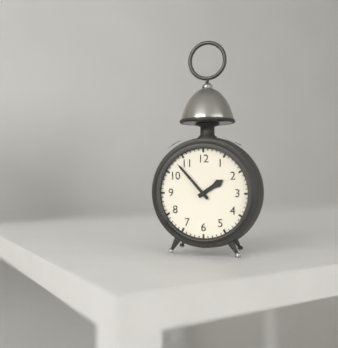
1:53
